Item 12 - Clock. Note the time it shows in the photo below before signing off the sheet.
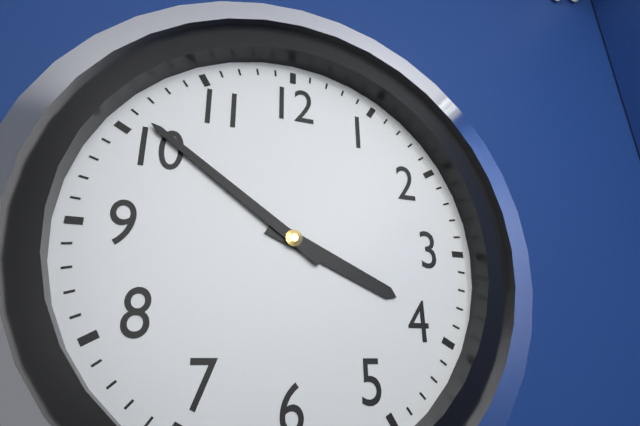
3:51
